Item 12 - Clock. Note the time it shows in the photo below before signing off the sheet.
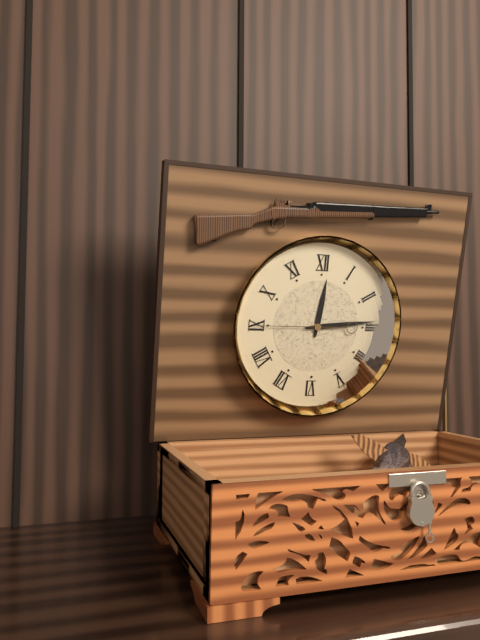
12:14:45
